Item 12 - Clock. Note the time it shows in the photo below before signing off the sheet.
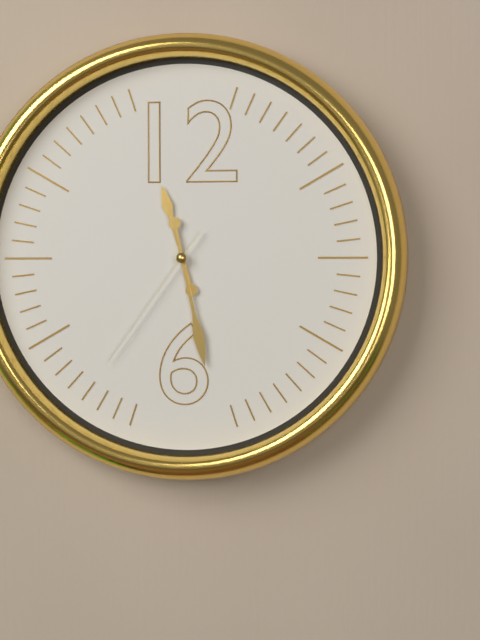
11:28:36
